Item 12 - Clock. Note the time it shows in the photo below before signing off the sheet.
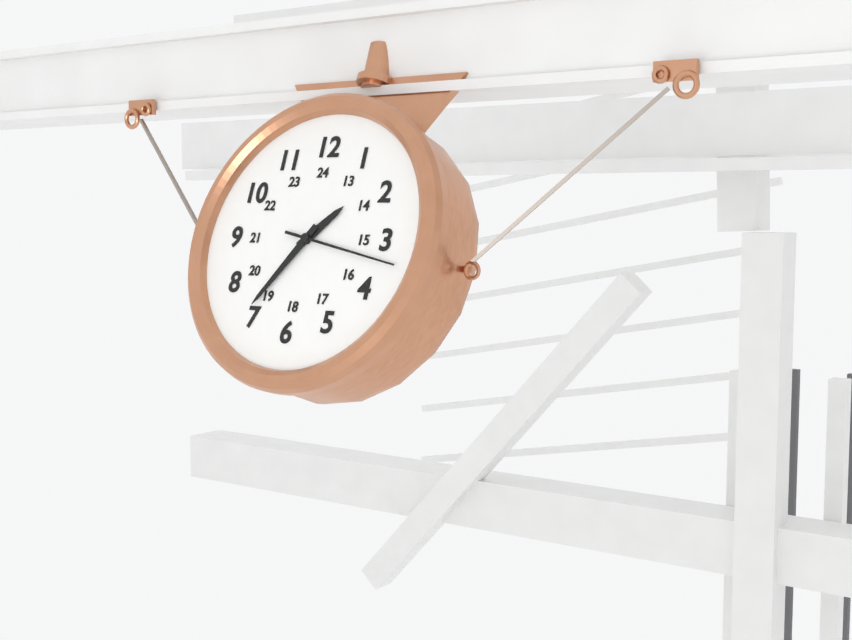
1:36:17
